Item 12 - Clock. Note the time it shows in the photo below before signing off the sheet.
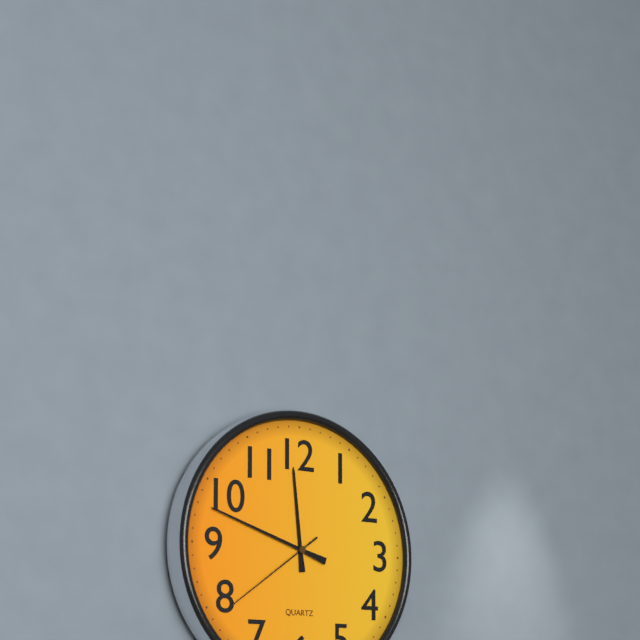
11:48:39
